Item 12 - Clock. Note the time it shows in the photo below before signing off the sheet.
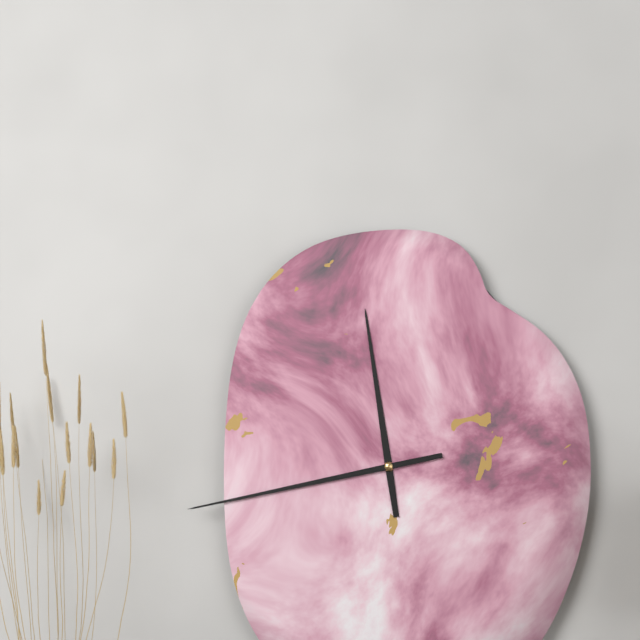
11:43
